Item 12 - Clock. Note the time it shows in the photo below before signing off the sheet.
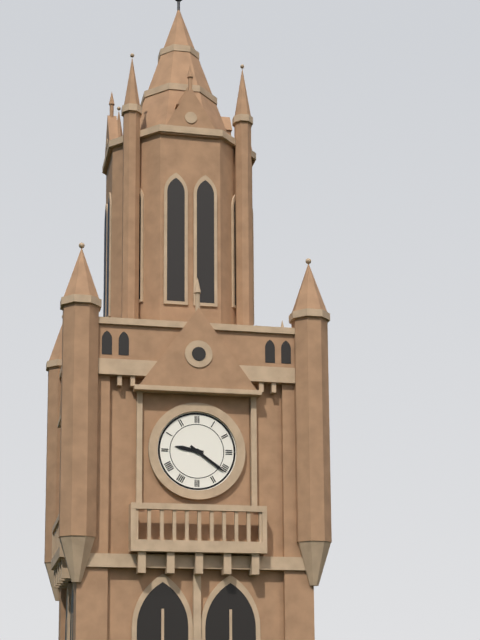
9:21
